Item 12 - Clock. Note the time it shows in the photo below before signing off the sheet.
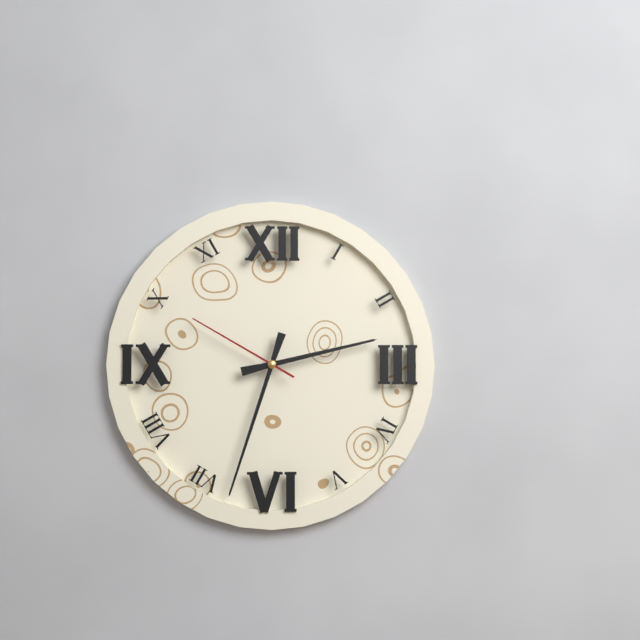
2:33:50
